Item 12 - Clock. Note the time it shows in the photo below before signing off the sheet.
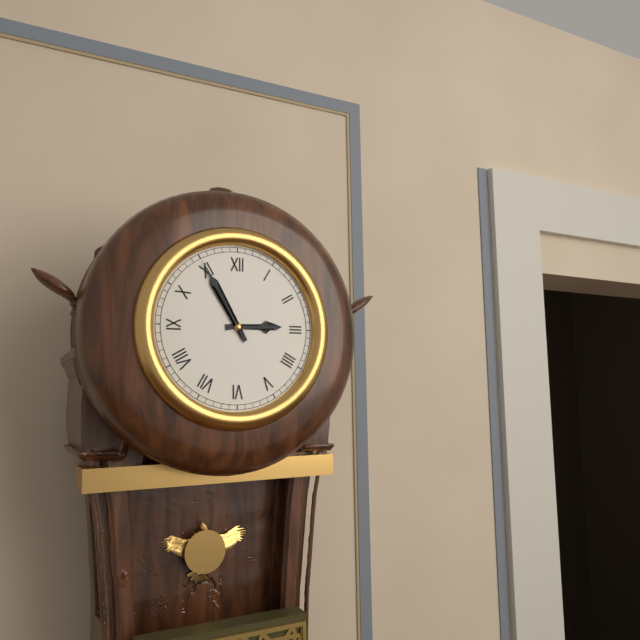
2:55
